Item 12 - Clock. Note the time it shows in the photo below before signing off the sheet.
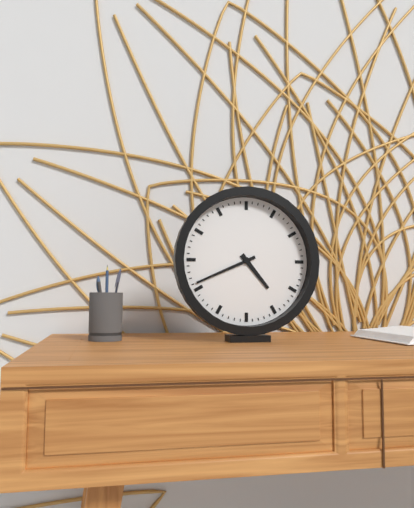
4:41
